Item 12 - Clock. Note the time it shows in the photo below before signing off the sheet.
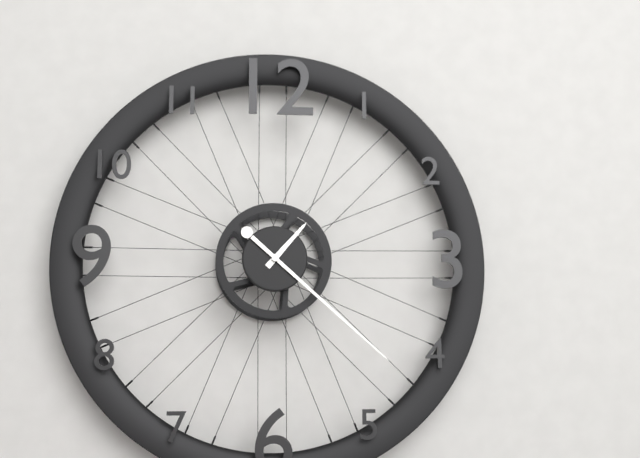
1:22
